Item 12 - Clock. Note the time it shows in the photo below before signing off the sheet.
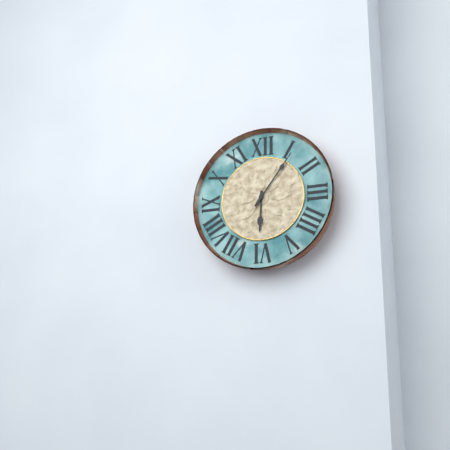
6:06
